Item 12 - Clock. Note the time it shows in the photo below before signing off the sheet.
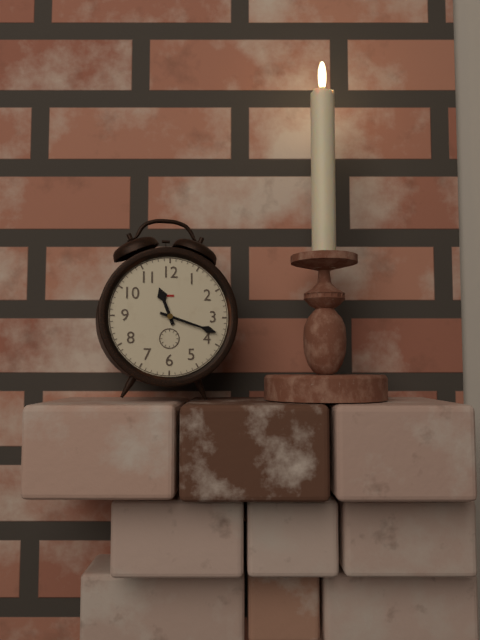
11:18
